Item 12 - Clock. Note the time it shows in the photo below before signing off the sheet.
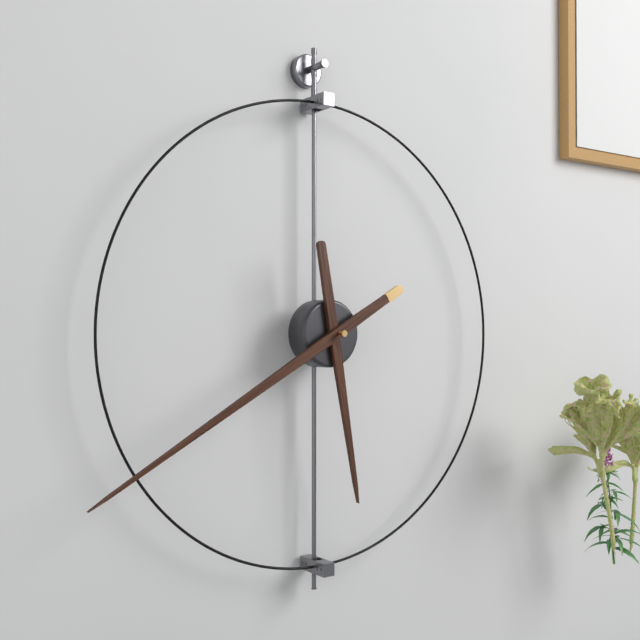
5:40
